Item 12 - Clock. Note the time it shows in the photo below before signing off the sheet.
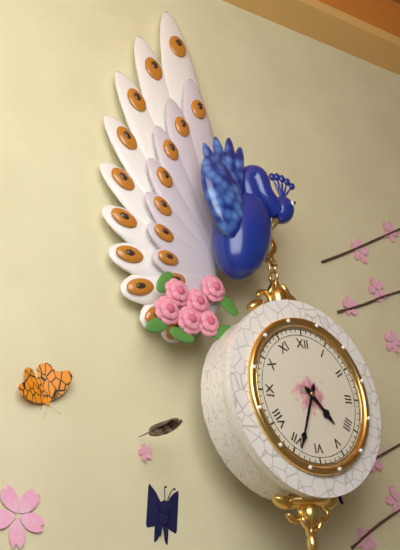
4:34
